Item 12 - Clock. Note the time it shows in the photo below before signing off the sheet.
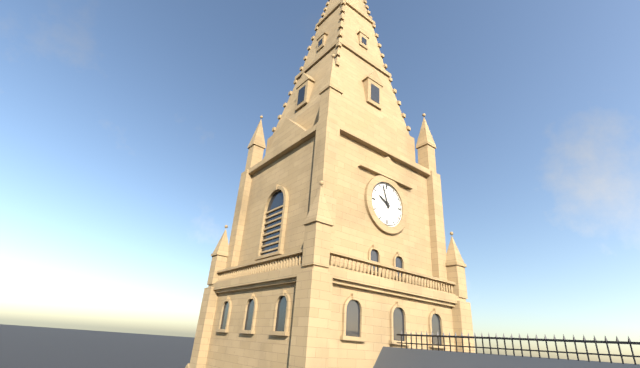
9:57
